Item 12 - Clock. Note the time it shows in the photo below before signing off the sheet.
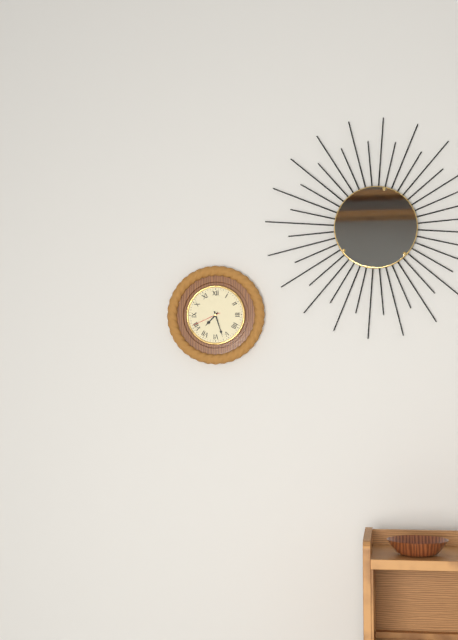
7:27
